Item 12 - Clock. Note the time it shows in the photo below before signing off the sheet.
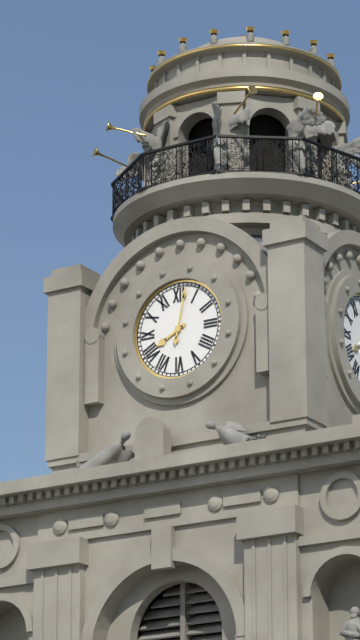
8:02
